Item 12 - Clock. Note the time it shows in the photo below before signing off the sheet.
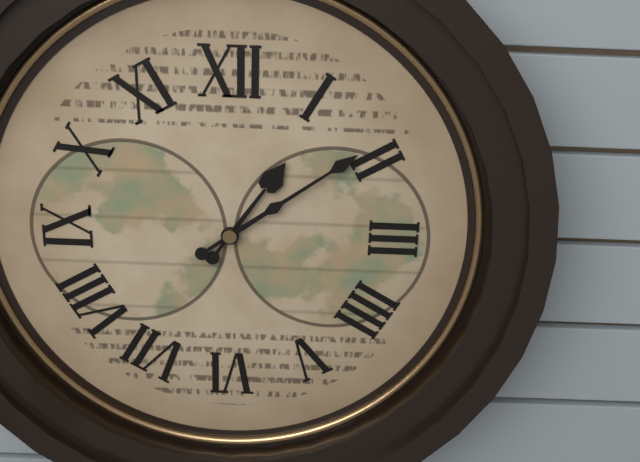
1:09
